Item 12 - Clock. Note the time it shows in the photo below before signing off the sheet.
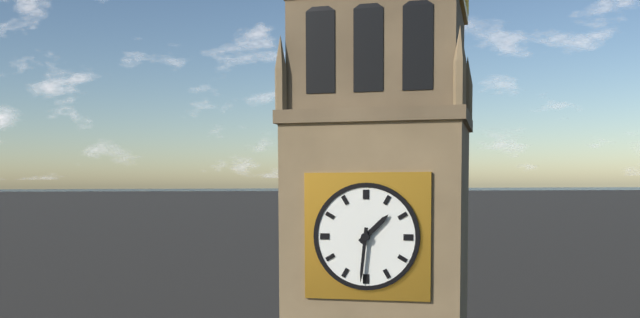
1:31
